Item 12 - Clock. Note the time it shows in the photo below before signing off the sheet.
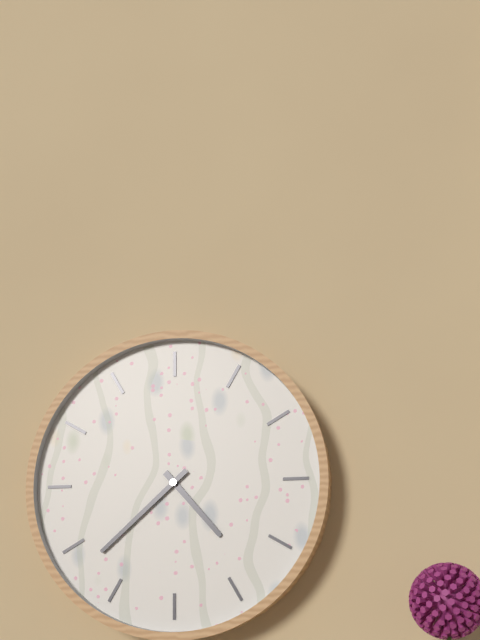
4:38
